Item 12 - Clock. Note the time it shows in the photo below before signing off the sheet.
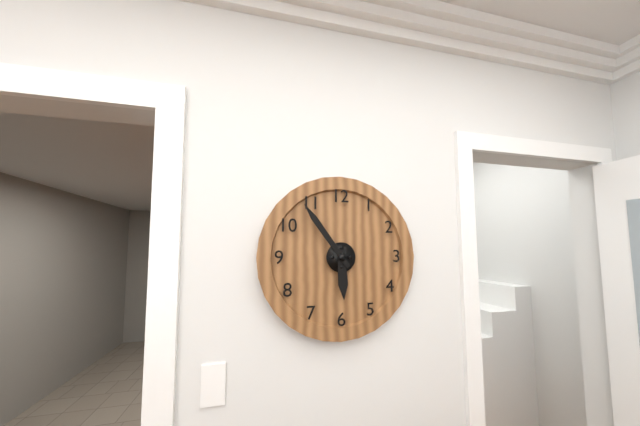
5:54
